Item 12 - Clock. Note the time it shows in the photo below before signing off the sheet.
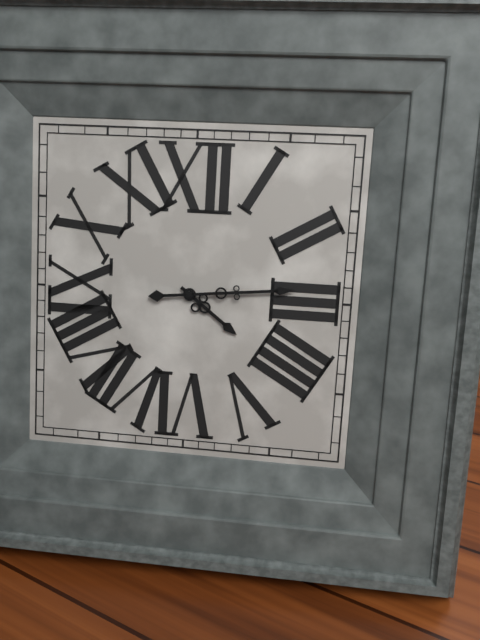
4:14
